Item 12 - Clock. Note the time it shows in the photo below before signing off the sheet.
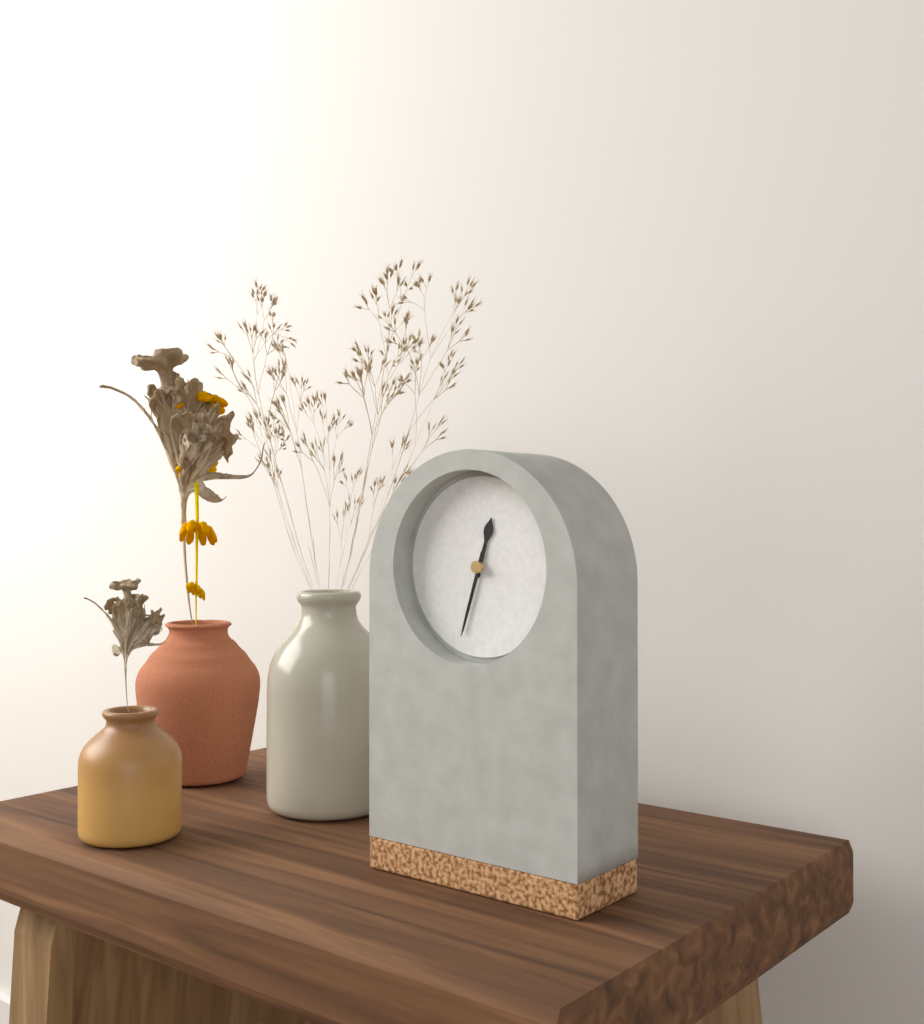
12:33
